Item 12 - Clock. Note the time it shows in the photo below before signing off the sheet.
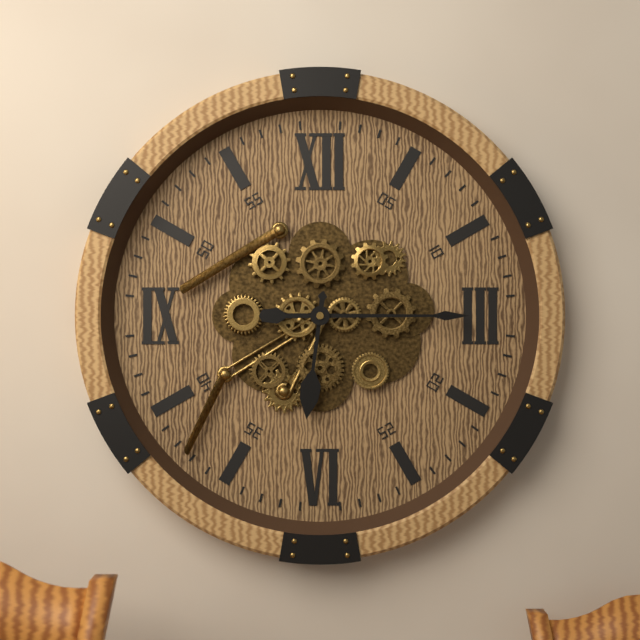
6:15
